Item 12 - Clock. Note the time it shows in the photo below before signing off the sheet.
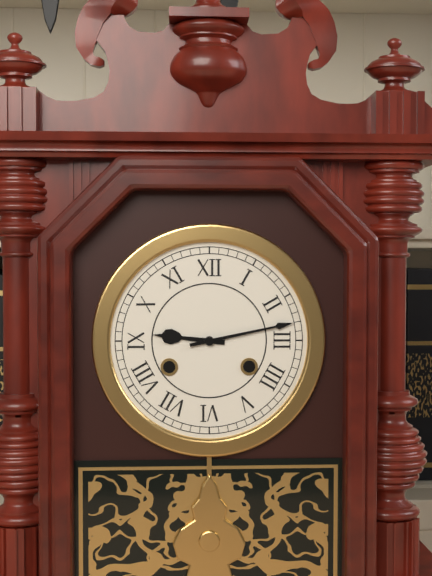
9:13
